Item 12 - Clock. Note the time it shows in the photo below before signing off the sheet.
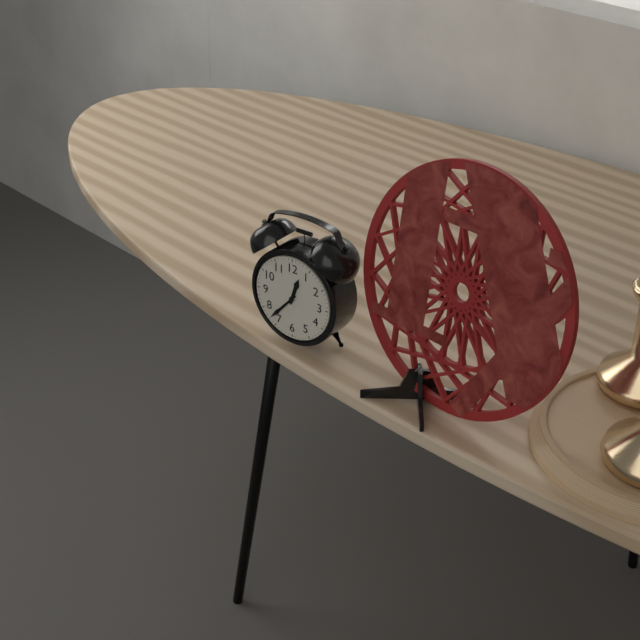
12:37
